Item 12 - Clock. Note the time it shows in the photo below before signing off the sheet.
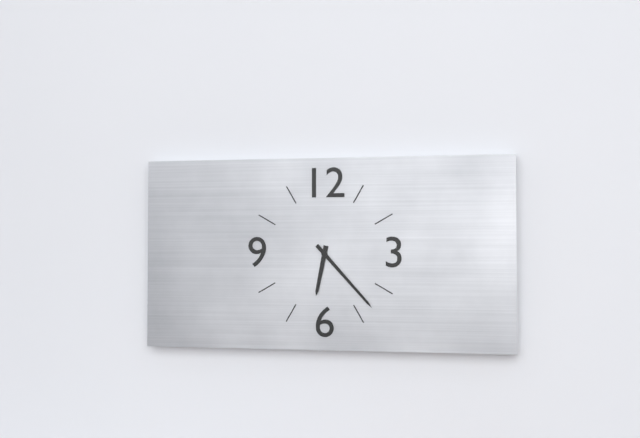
6:23
